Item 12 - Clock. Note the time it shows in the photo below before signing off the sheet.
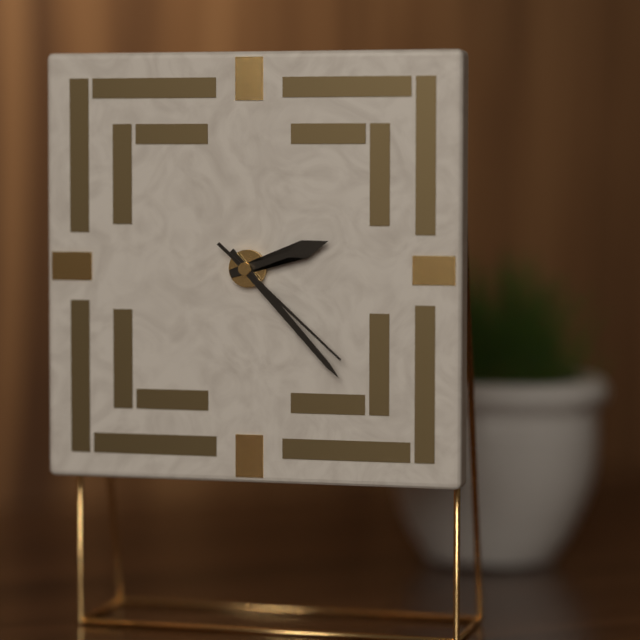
2:23:22
